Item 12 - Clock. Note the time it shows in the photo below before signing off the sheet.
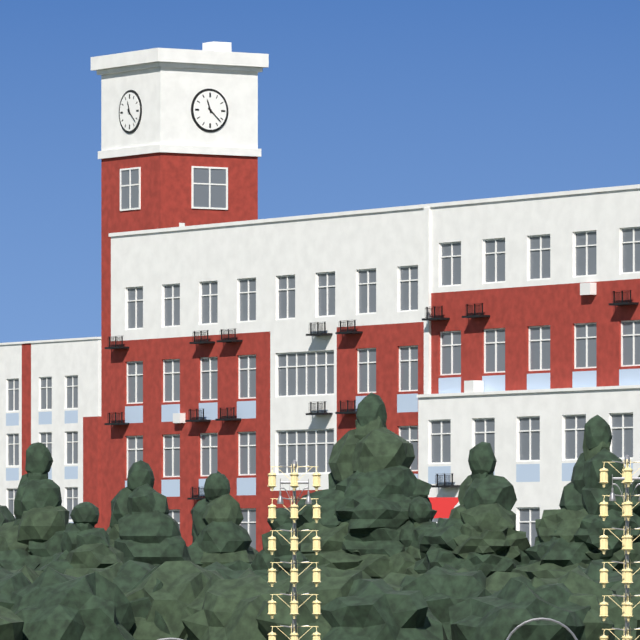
11:22
